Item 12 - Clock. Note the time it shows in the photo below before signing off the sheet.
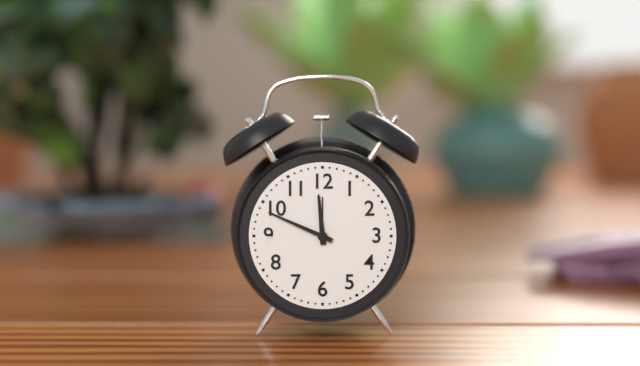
11:49
